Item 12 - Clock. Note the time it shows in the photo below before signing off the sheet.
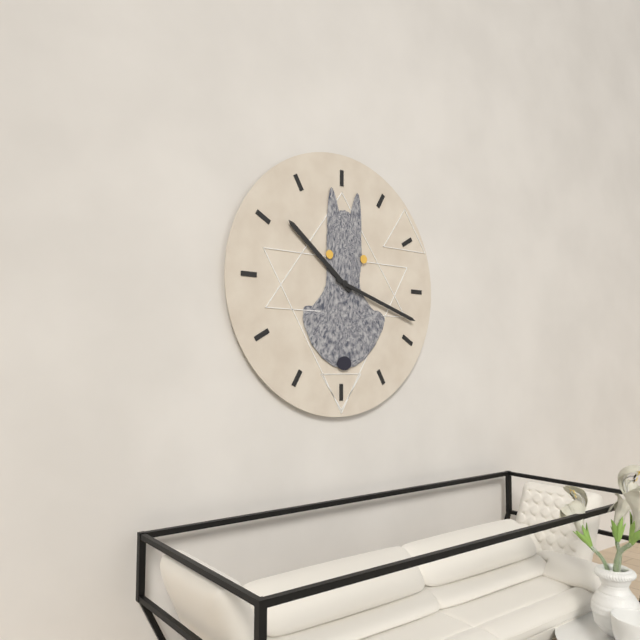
10:18
